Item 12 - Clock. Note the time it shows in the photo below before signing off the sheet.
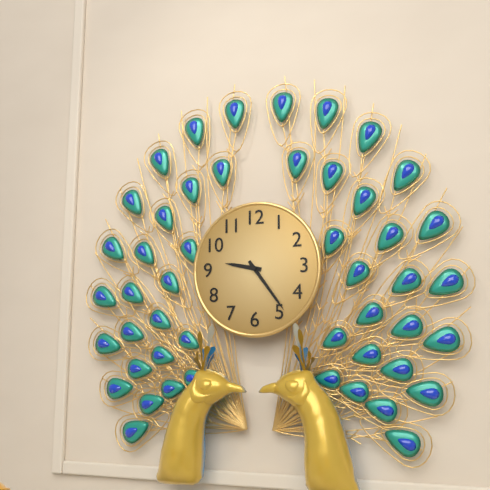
9:24
